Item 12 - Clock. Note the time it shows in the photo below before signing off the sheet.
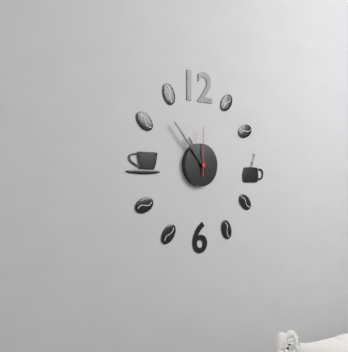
10:53
